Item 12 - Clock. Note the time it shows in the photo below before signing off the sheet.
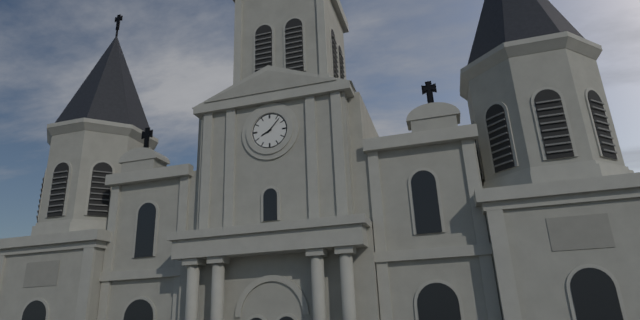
8:07
